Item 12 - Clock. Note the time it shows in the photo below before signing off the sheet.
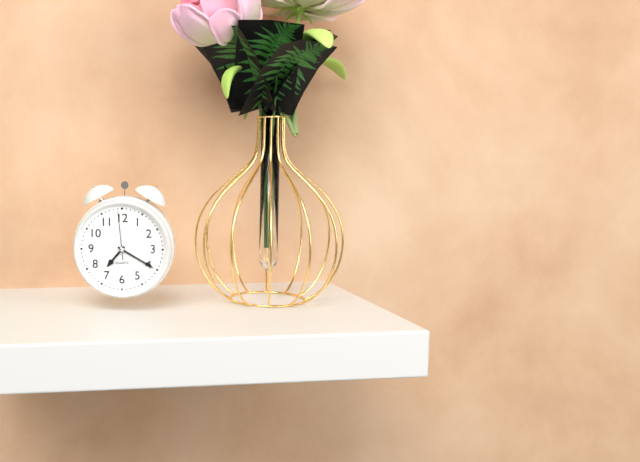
7:20
